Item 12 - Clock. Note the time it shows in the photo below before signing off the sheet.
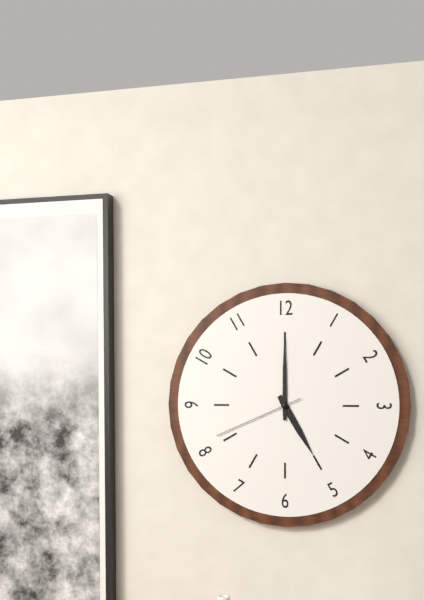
5:00:41
